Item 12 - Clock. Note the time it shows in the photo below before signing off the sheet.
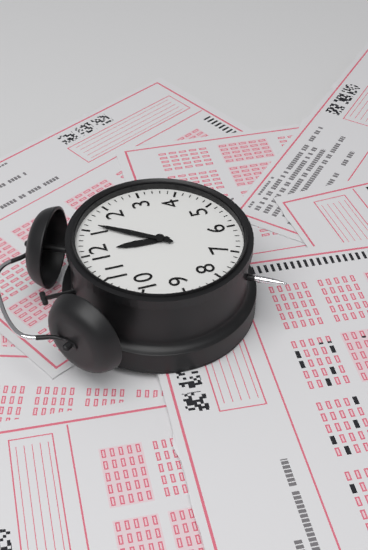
12:06
